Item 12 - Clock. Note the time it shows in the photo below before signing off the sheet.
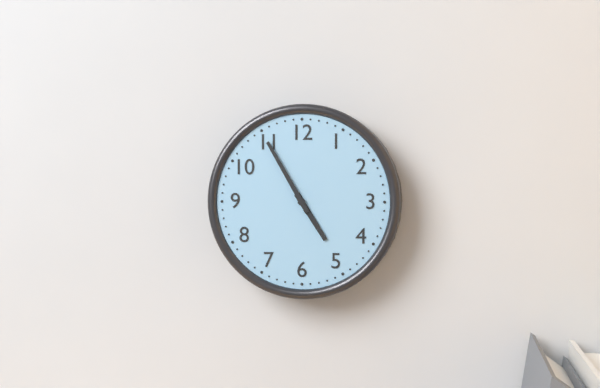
4:55
